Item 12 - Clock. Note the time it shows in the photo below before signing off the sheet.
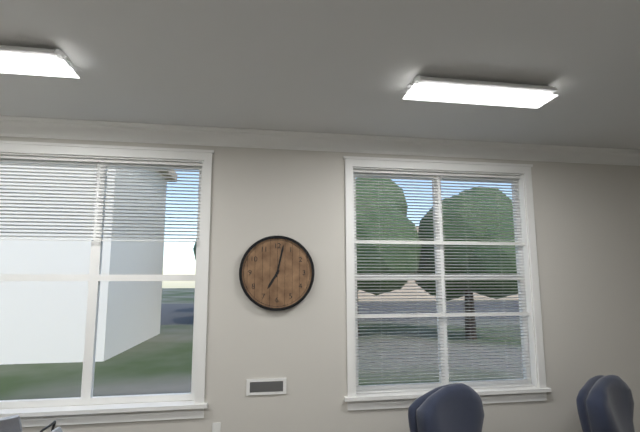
7:02
